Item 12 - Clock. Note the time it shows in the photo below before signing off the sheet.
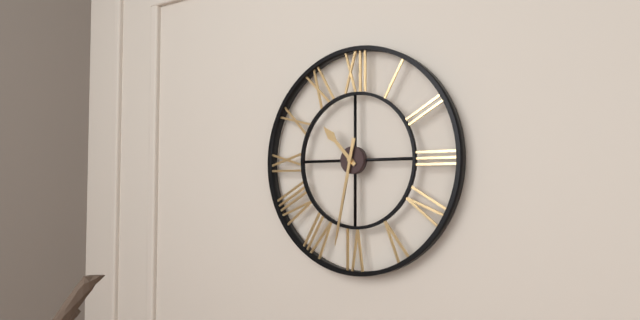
10:32
